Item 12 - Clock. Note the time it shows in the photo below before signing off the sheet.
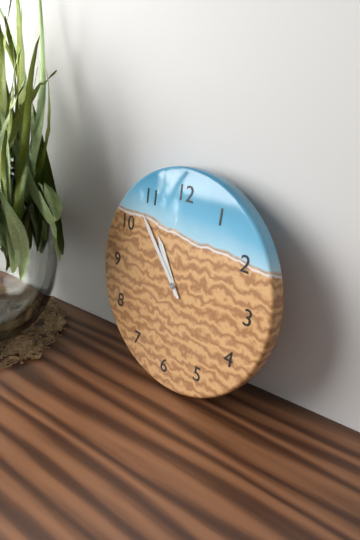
10:53
